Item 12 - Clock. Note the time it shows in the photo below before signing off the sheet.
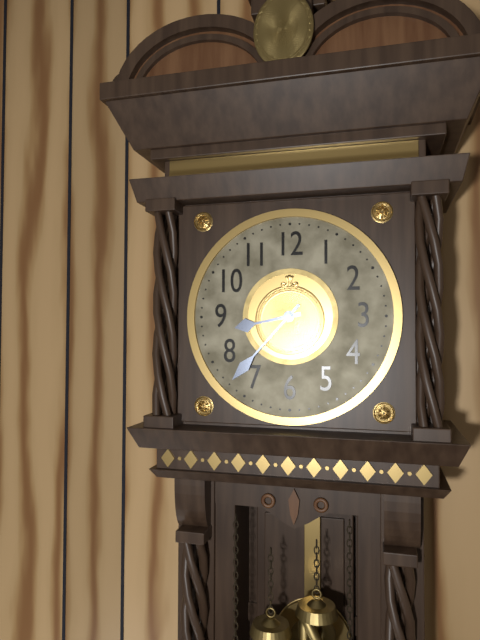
8:37
